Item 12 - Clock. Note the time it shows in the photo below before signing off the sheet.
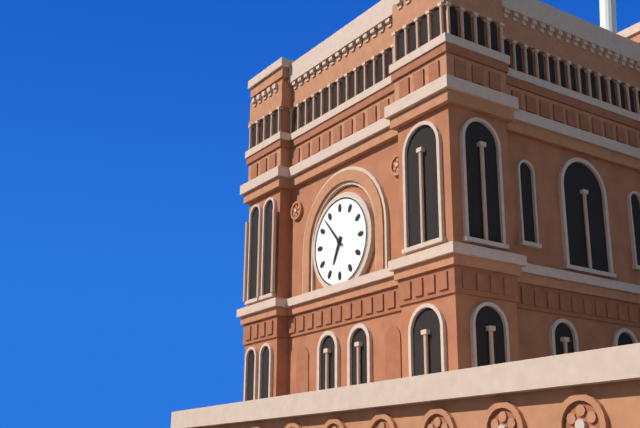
6:53
